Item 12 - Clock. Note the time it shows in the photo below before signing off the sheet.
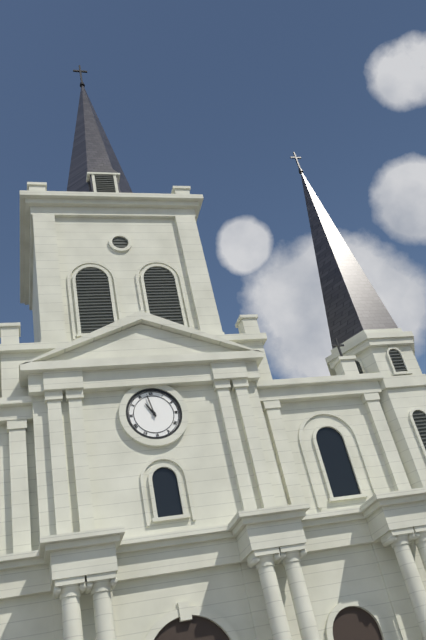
10:58
